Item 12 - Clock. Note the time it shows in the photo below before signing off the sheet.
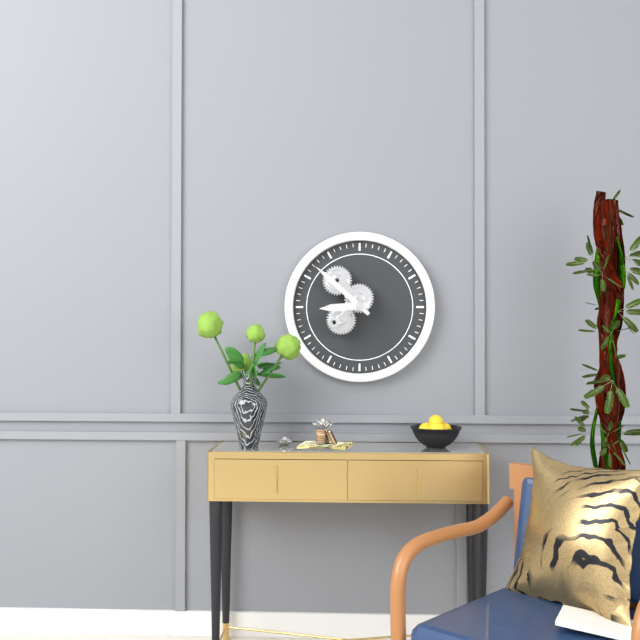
8:52
